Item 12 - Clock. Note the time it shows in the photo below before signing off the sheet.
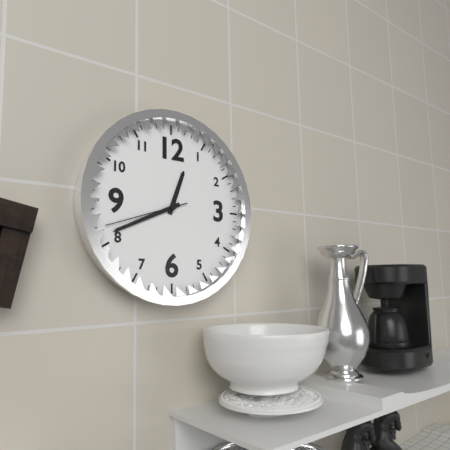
12:41:42
